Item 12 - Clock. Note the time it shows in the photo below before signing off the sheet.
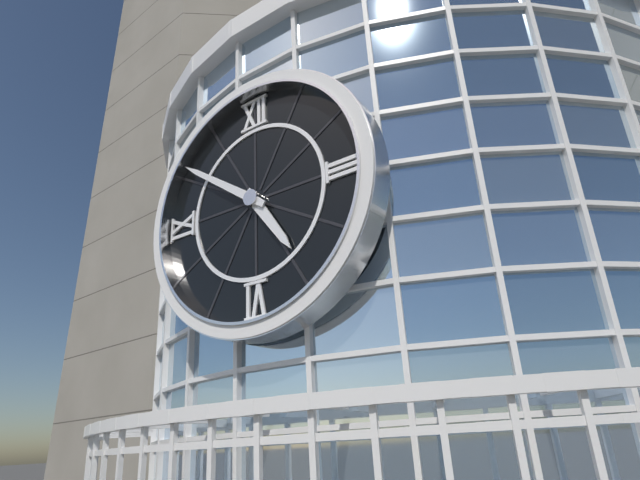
4:51
